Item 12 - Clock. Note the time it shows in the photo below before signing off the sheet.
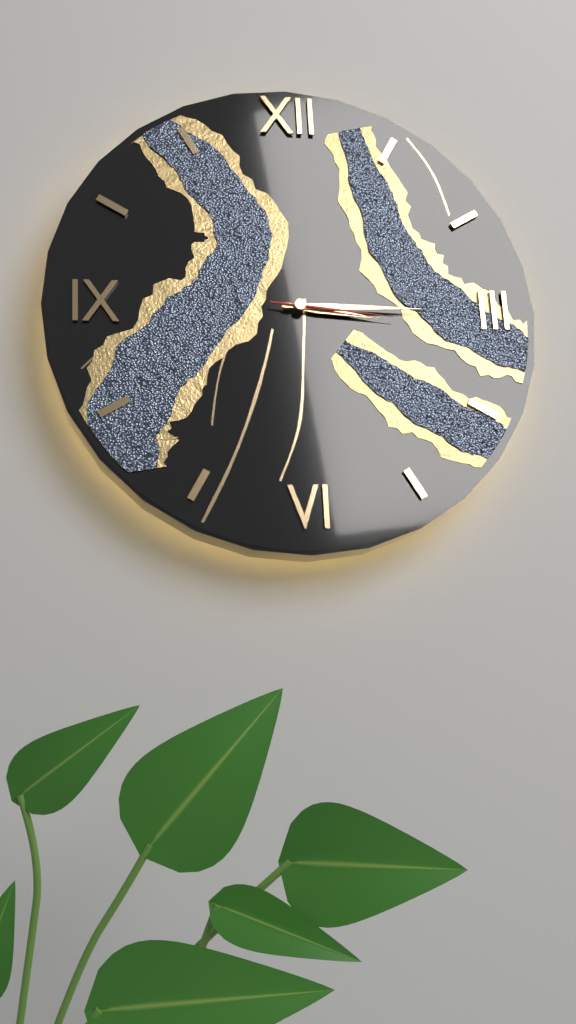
3:15:16
